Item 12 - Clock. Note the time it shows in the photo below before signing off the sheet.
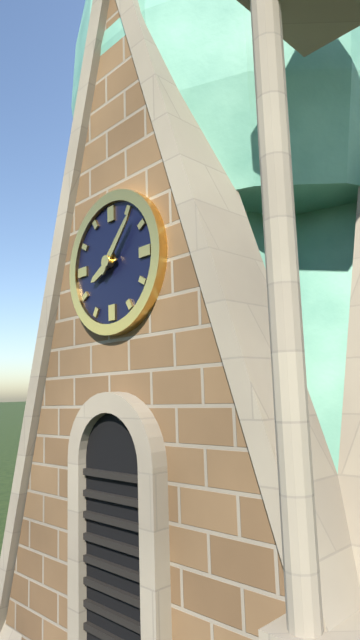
8:07
